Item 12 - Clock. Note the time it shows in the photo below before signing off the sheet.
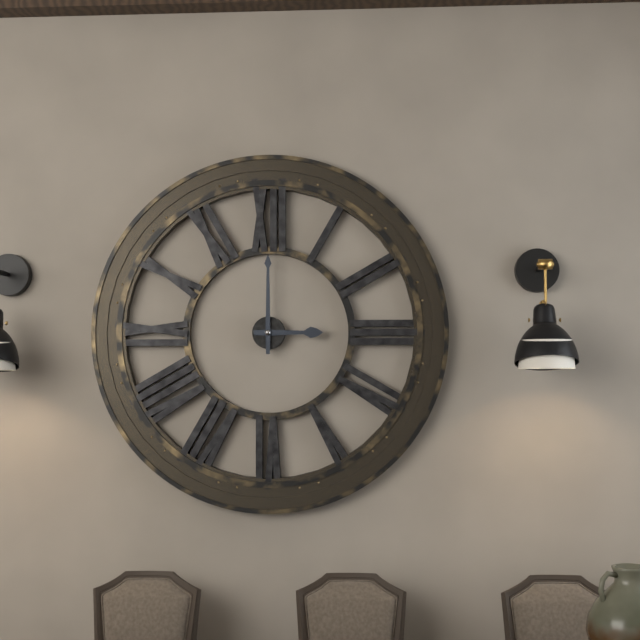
3:00
